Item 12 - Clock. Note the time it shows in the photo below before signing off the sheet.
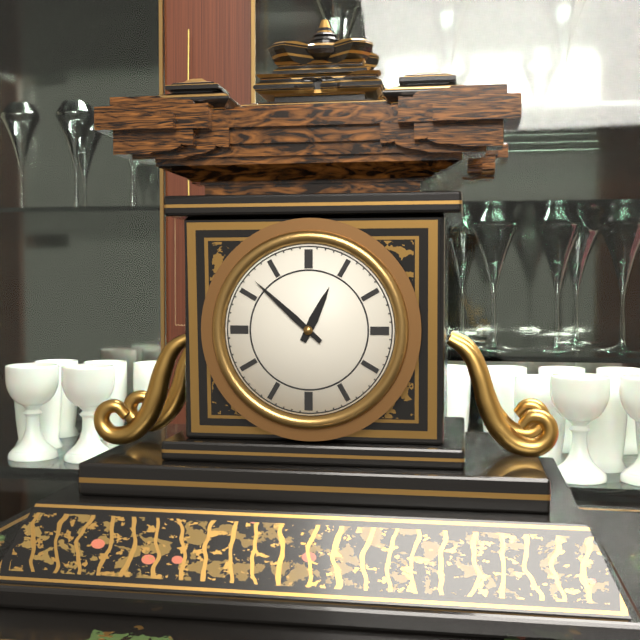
12:52
